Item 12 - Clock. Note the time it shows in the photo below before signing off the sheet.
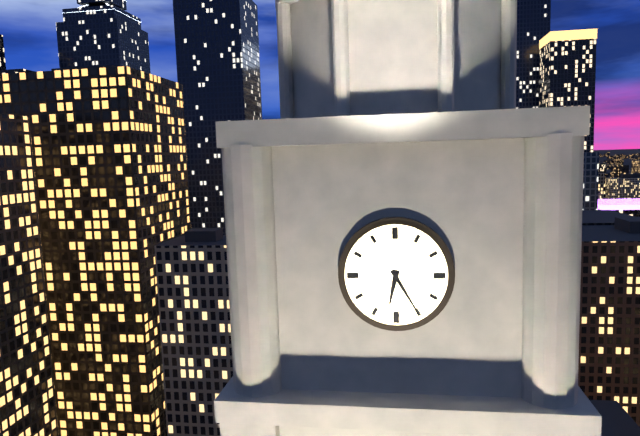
6:25
